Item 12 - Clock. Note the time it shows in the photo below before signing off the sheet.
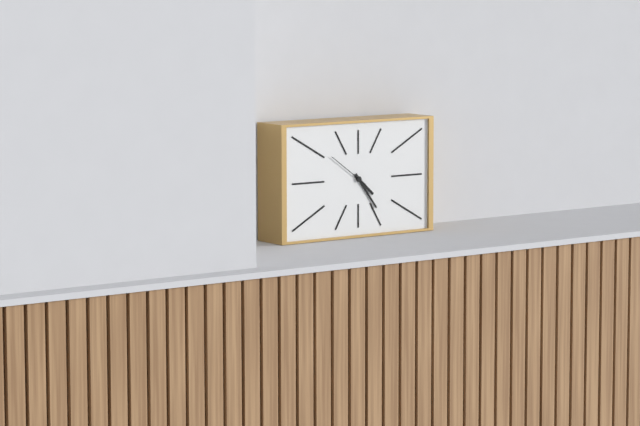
4:24
